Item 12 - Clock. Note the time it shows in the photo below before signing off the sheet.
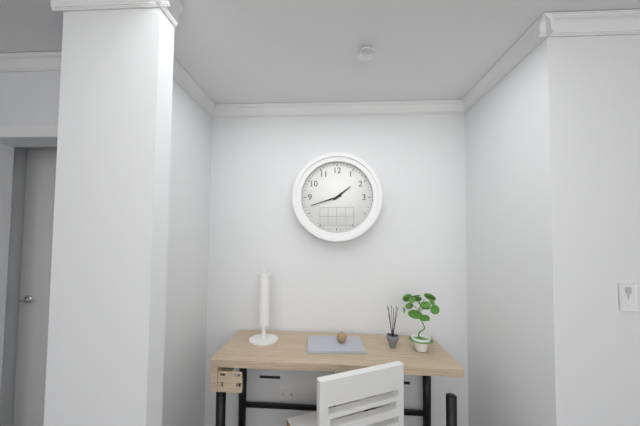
1:42
